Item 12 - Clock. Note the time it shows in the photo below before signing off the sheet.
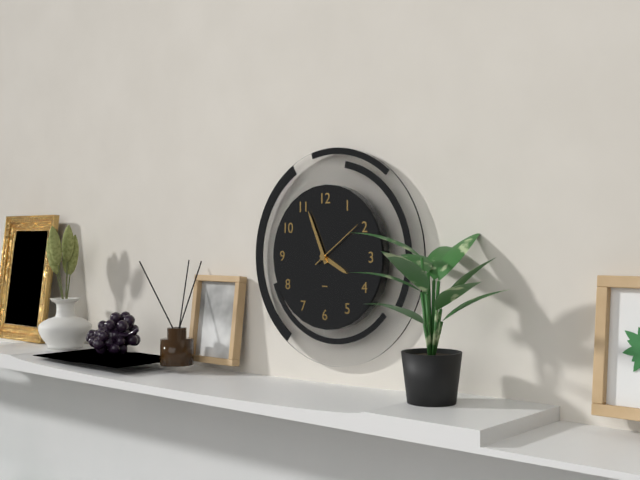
3:56:09
